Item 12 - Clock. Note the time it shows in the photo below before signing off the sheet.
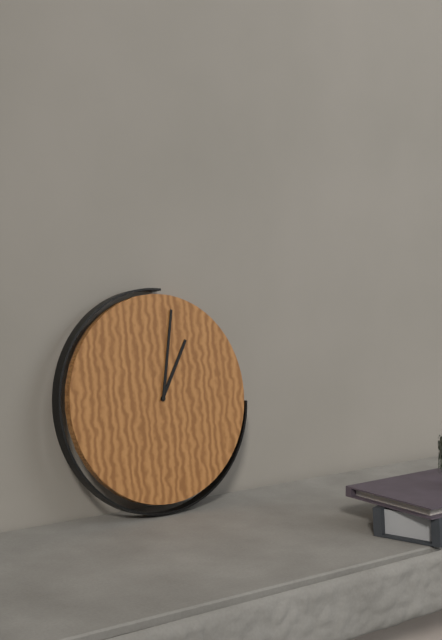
1:02
